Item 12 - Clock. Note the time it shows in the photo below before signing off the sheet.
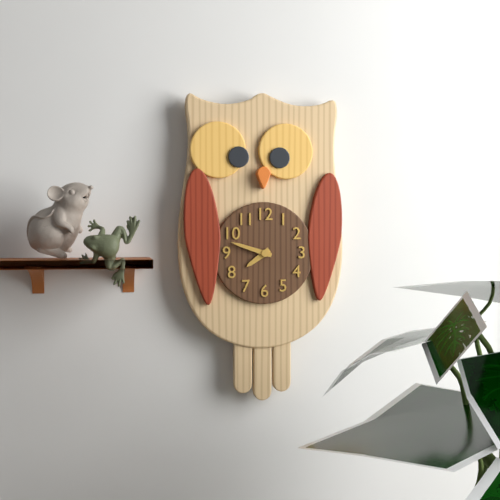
7:48
